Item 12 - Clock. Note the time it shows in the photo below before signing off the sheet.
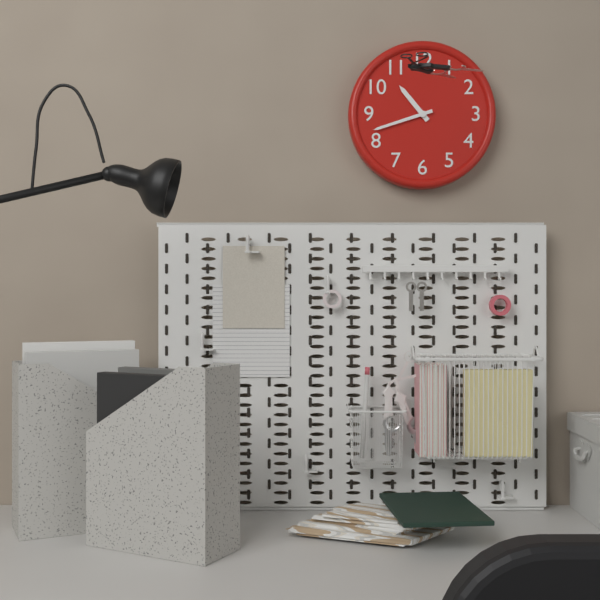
10:42
